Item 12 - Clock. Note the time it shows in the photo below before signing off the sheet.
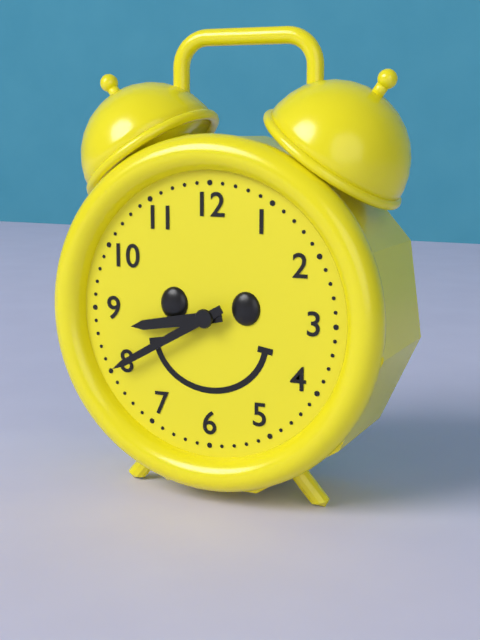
8:40
